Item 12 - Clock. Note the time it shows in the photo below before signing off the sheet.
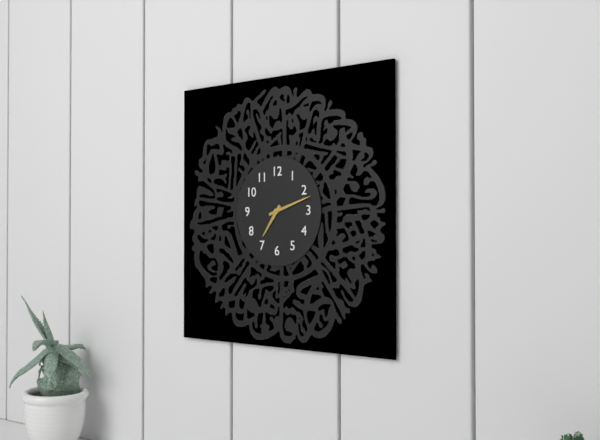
7:12
